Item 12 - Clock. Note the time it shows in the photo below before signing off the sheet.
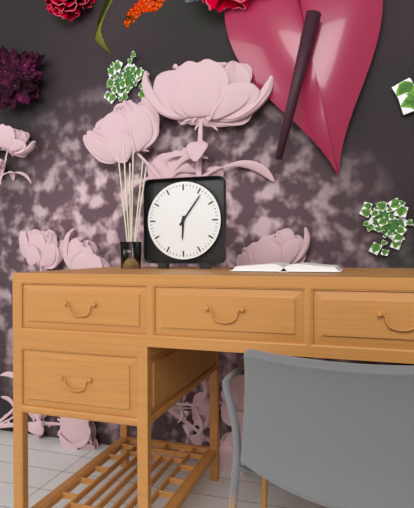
6:06
